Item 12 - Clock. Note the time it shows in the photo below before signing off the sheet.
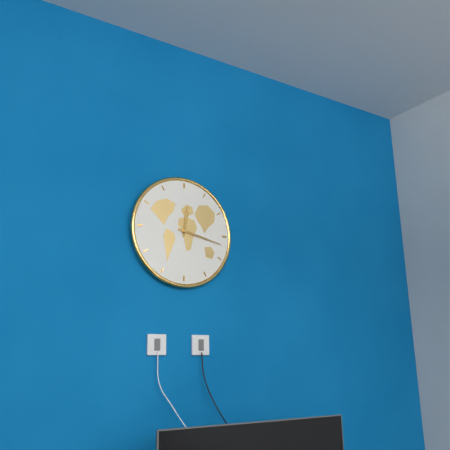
12:17
